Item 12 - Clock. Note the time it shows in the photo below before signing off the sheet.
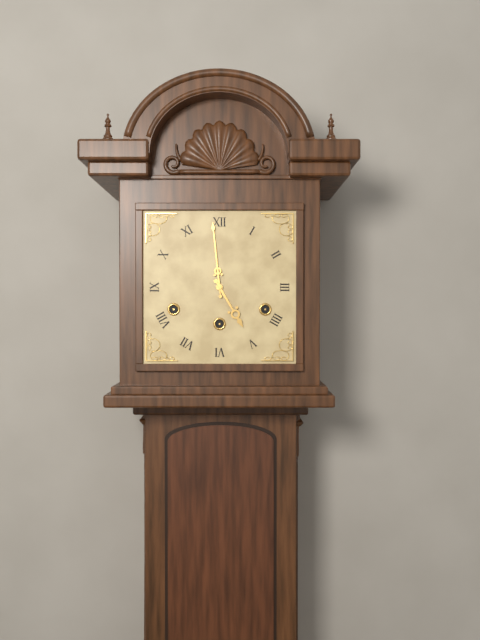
4:59
